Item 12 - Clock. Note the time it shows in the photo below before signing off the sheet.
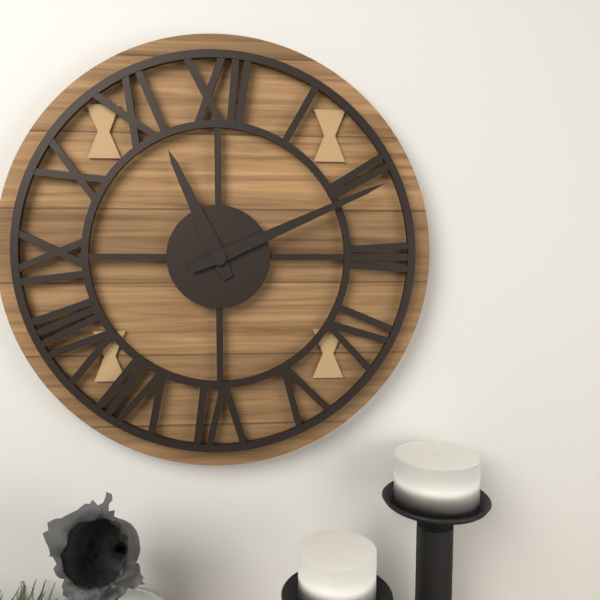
11:11
